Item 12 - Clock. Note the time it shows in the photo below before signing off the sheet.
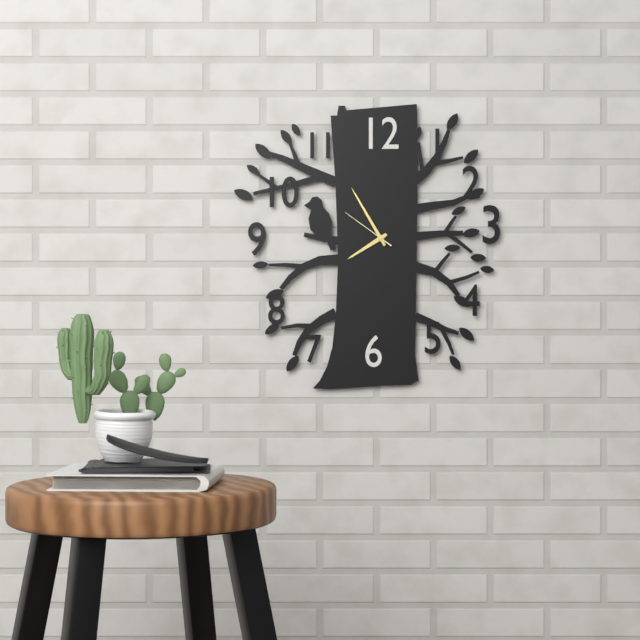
7:55:51
